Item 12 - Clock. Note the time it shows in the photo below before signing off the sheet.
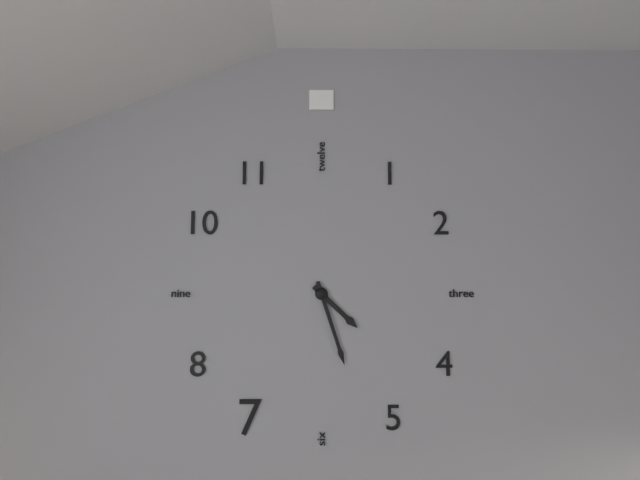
4:27
